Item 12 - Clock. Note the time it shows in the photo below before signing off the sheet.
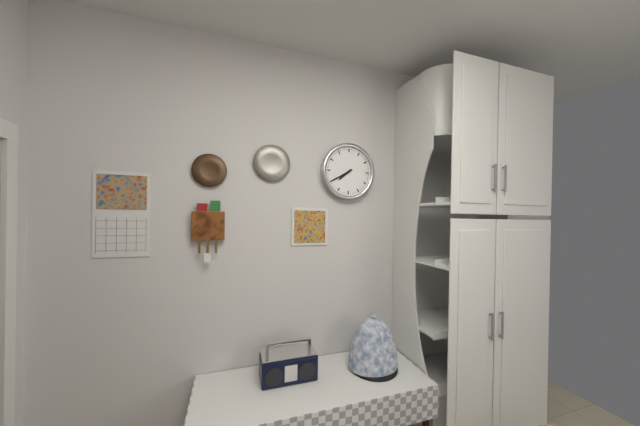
7:40
